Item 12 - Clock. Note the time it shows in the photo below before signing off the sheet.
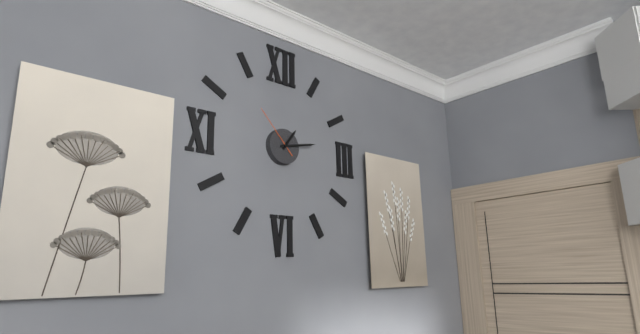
1:13:53
